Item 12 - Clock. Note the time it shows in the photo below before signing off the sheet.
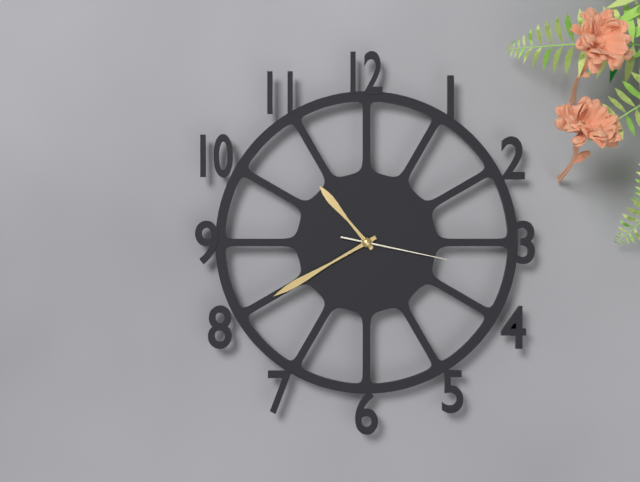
10:40:17
